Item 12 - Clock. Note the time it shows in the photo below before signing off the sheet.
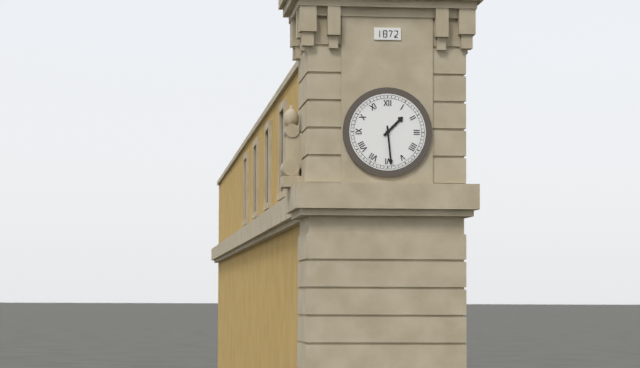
1:29
